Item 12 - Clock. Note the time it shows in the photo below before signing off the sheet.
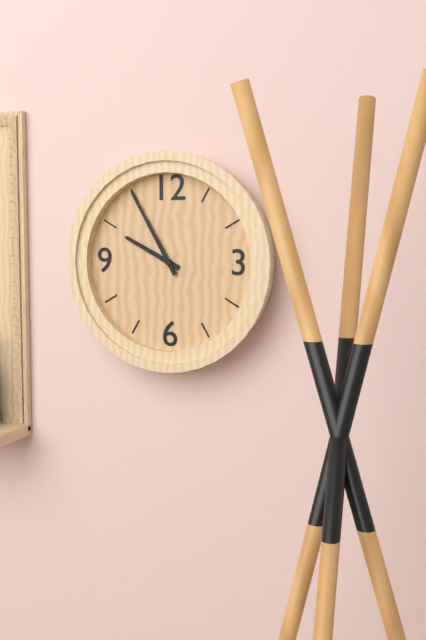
9:55
